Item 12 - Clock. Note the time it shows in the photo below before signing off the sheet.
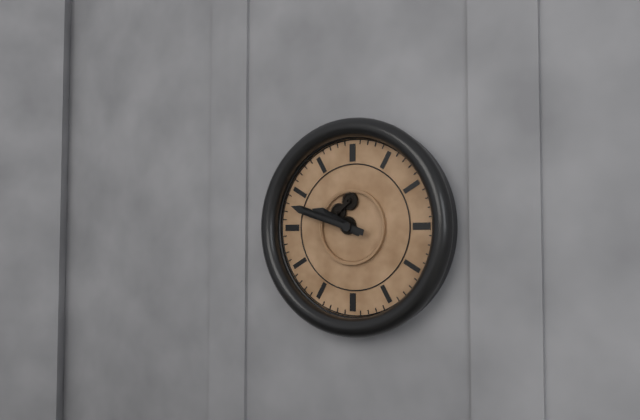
9:48
